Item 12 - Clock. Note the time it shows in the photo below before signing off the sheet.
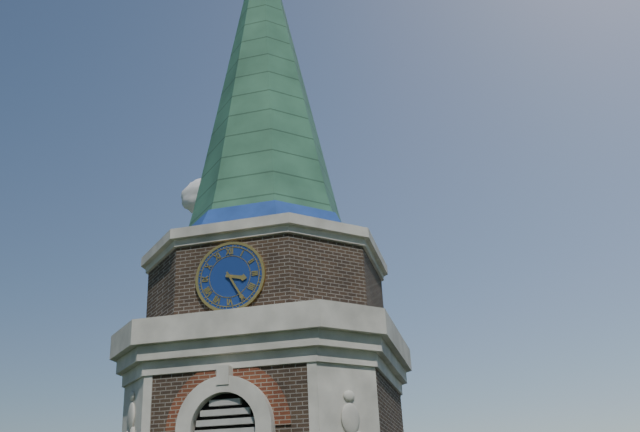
3:25
